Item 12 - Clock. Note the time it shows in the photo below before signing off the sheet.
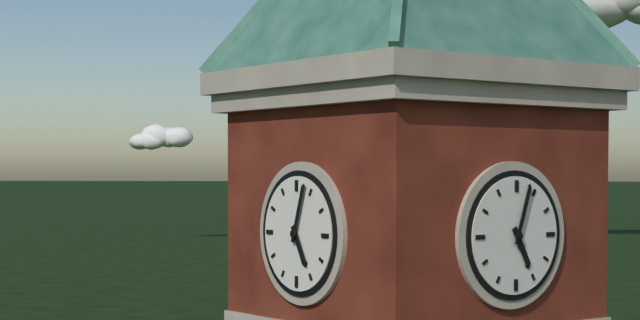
5:03
